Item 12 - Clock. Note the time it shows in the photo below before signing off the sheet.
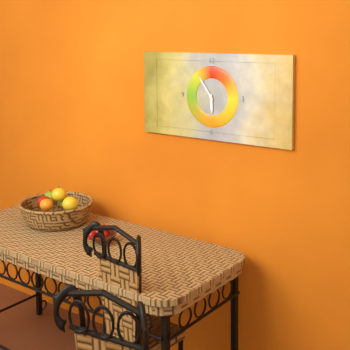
5:54
